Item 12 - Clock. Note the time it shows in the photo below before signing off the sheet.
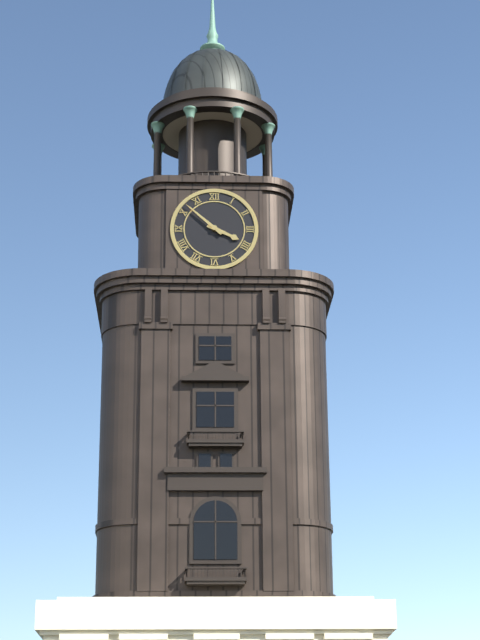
3:52
